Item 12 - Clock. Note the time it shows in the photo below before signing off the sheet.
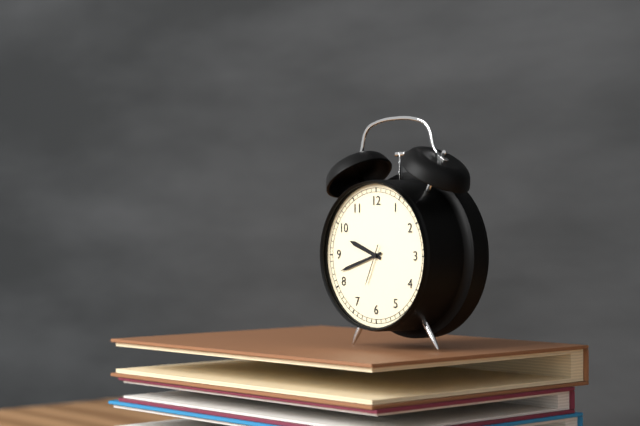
9:42
